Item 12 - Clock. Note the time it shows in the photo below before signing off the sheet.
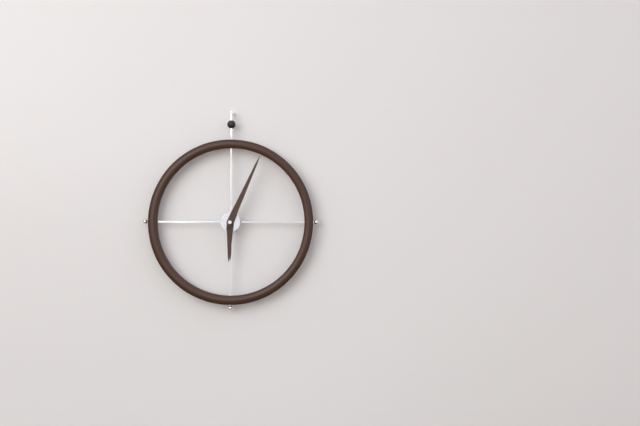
6:04
